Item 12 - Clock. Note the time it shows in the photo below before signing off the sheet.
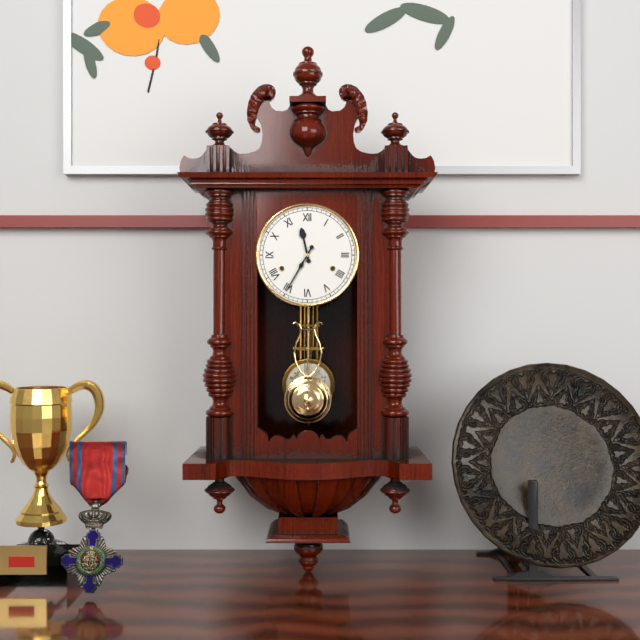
11:35
